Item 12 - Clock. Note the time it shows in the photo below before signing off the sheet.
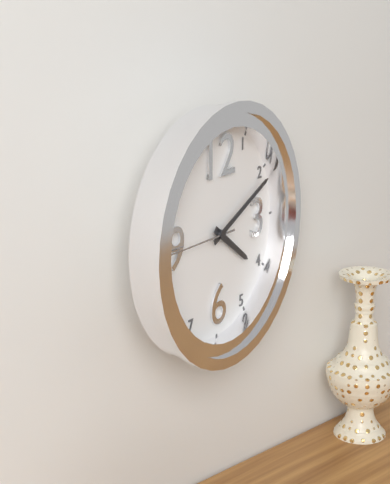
4:11:45
